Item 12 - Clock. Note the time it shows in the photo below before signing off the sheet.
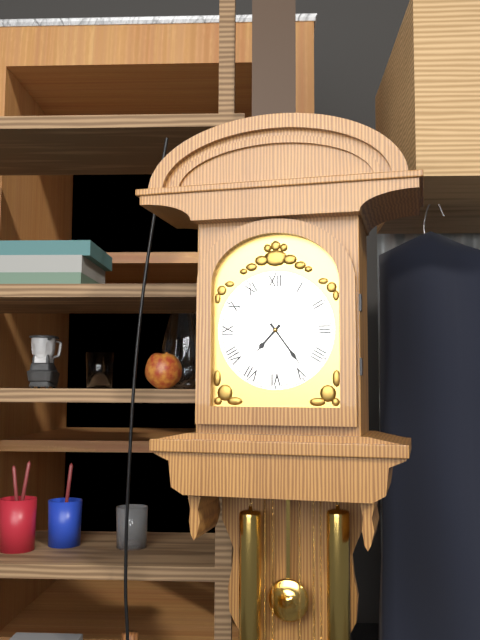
7:24
